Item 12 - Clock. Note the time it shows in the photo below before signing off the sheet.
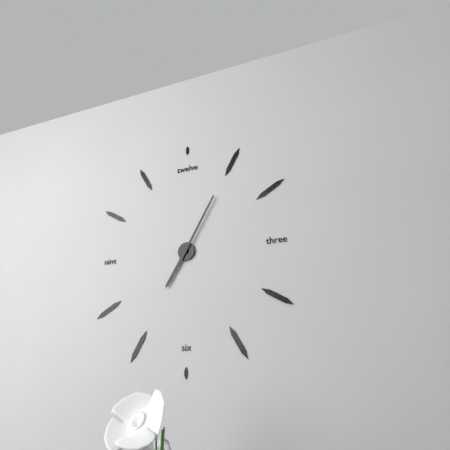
7:05
